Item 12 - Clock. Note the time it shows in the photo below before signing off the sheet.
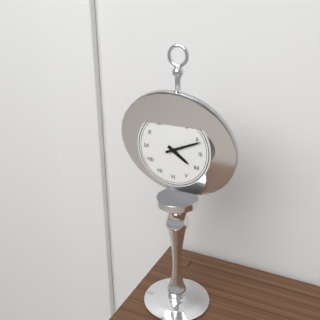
4:11
